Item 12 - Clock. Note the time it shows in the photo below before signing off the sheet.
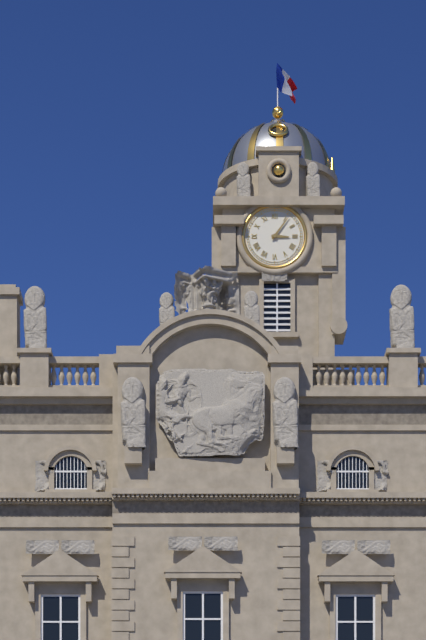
3:06
